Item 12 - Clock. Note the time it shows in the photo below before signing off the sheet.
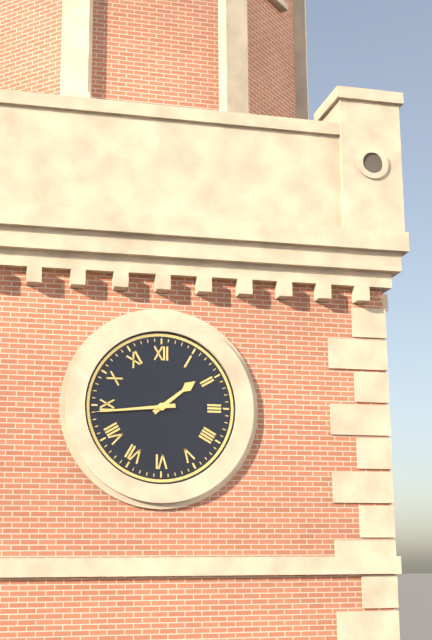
1:44
